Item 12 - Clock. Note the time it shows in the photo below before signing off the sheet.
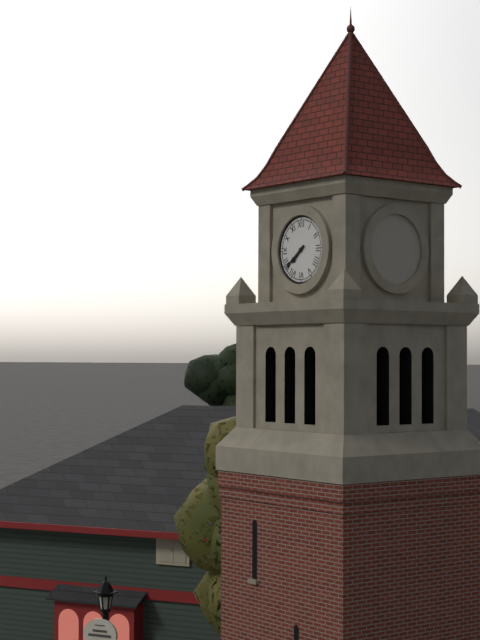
7:39
